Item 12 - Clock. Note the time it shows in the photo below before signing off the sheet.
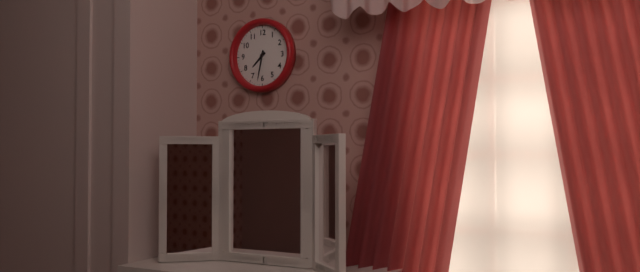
7:32
